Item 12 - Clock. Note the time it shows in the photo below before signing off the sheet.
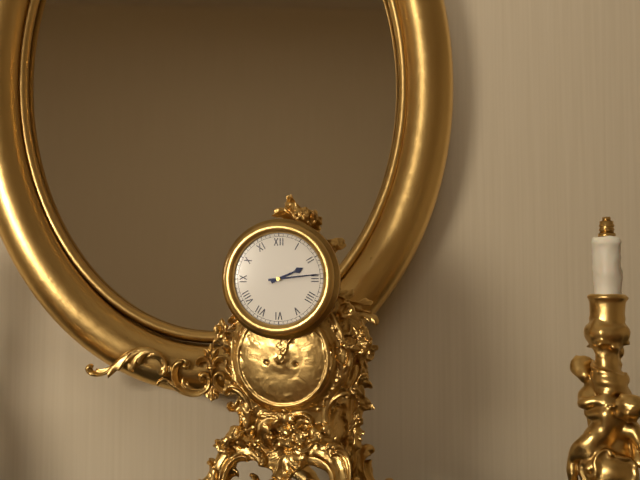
2:14
